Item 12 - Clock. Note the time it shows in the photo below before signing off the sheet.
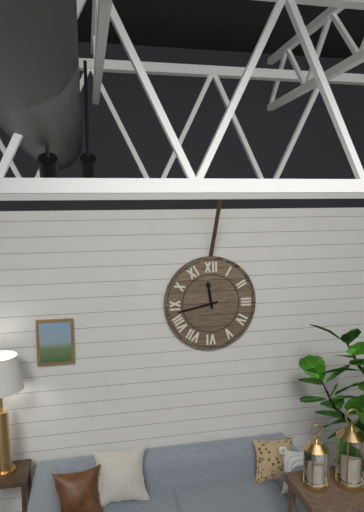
11:43
